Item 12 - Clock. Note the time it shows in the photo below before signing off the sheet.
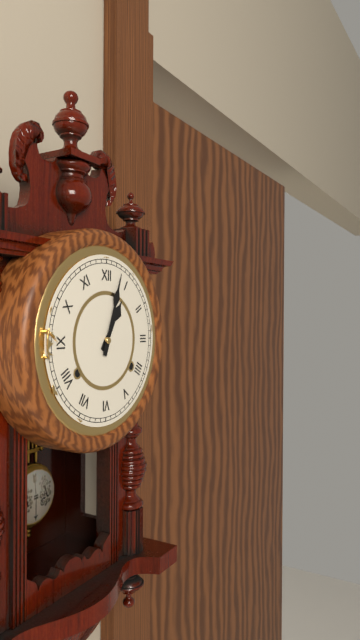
1:03
